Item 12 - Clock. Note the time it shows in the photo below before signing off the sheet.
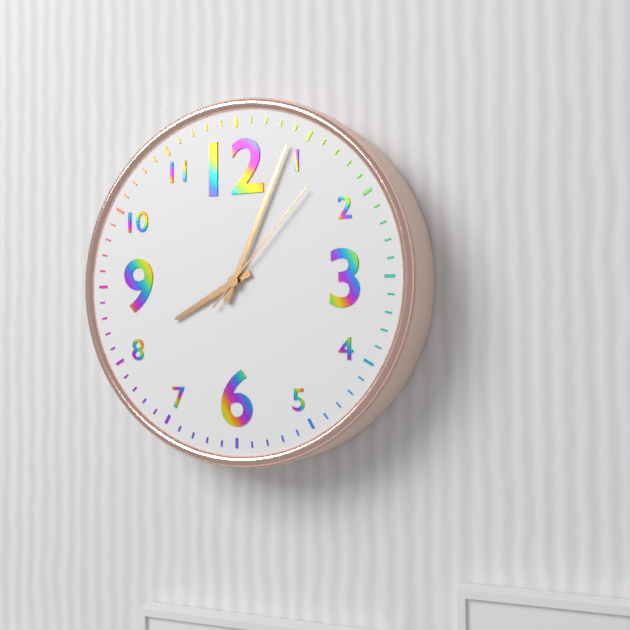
8:04:07
